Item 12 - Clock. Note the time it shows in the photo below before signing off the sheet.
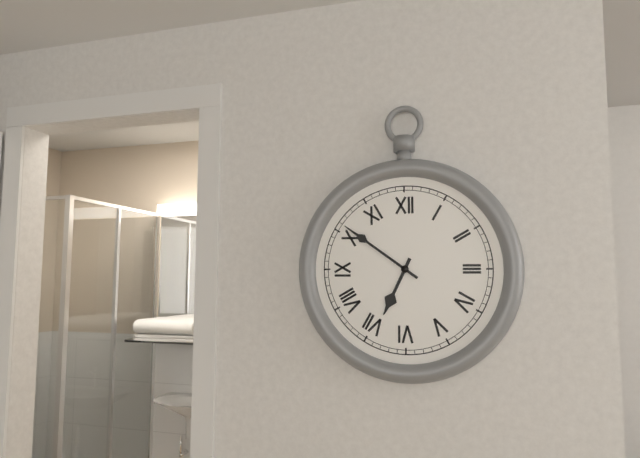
6:51
